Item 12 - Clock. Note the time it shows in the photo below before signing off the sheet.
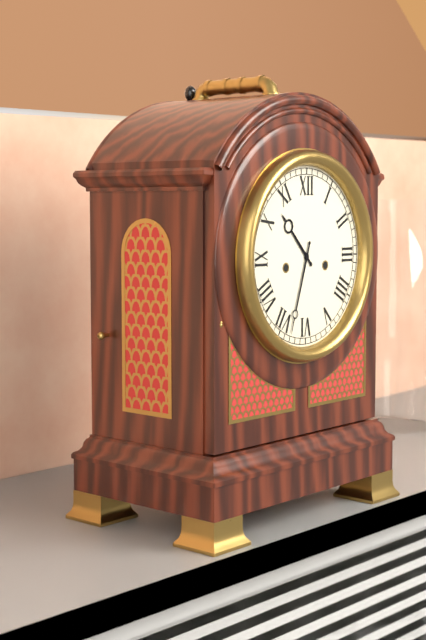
10:33
